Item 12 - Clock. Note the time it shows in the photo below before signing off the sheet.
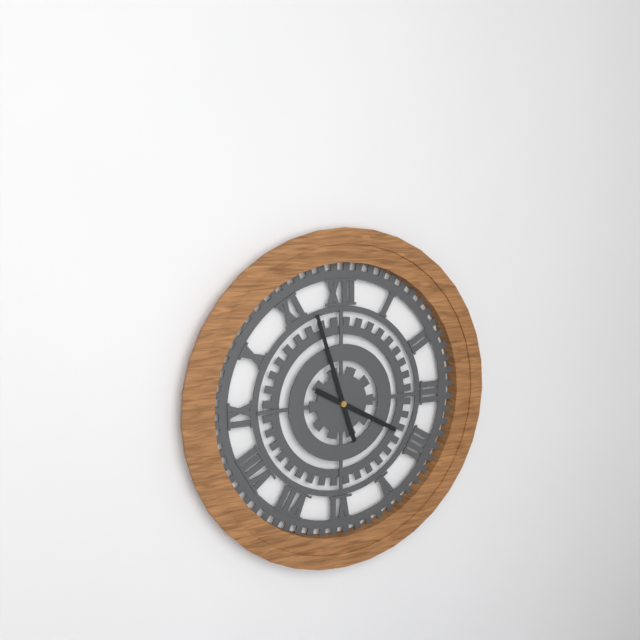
3:57
